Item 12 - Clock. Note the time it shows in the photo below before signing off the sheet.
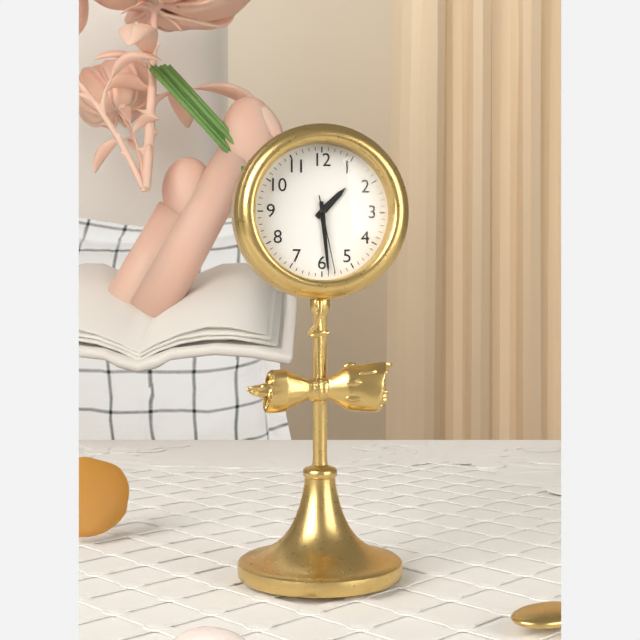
1:29:28
